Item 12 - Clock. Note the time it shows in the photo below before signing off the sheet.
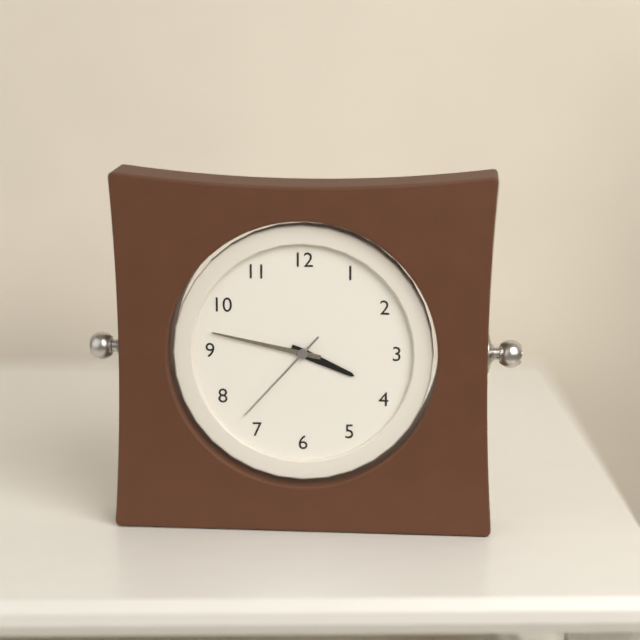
3:47:37
